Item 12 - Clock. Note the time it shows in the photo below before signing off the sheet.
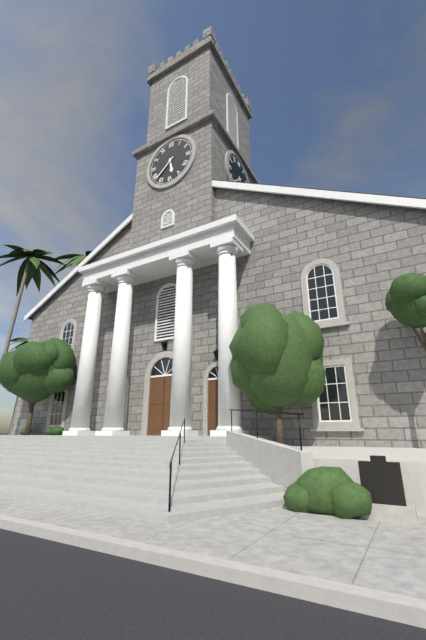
5:38
